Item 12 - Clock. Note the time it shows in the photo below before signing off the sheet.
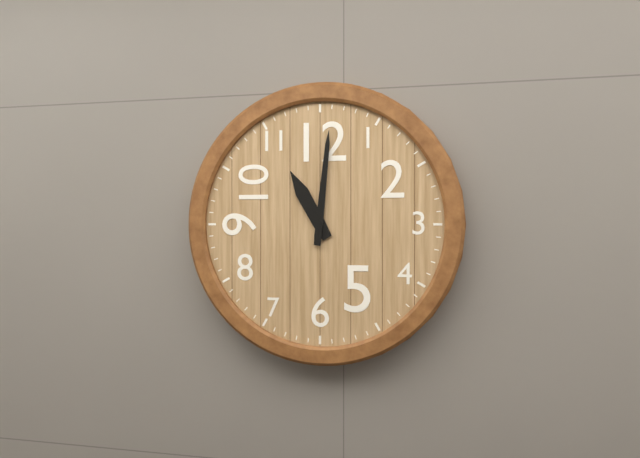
11:01
